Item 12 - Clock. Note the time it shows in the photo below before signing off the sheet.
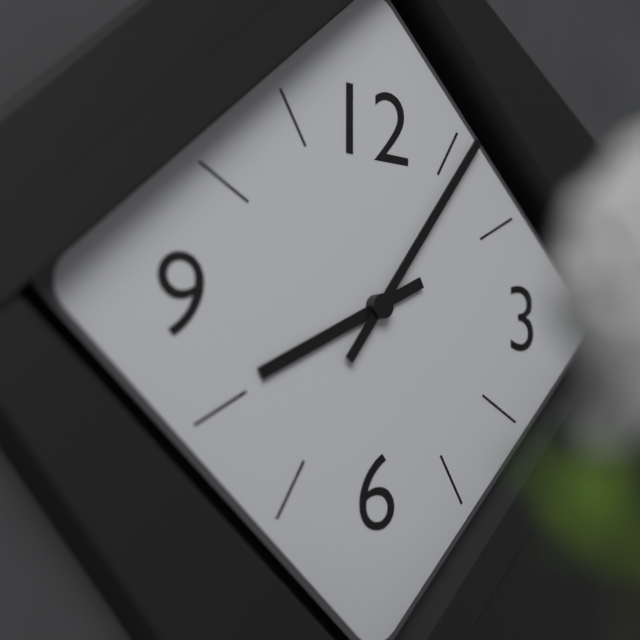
8:06
